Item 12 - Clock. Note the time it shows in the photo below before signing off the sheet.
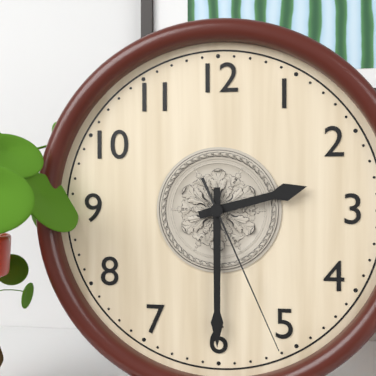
2:30:26
